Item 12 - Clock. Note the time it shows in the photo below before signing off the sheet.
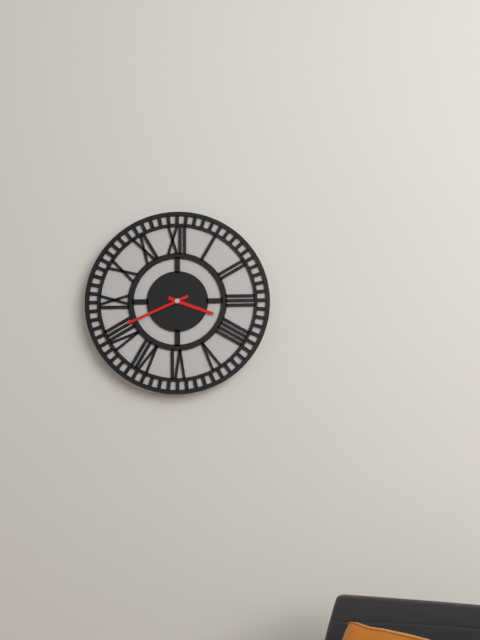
3:41
